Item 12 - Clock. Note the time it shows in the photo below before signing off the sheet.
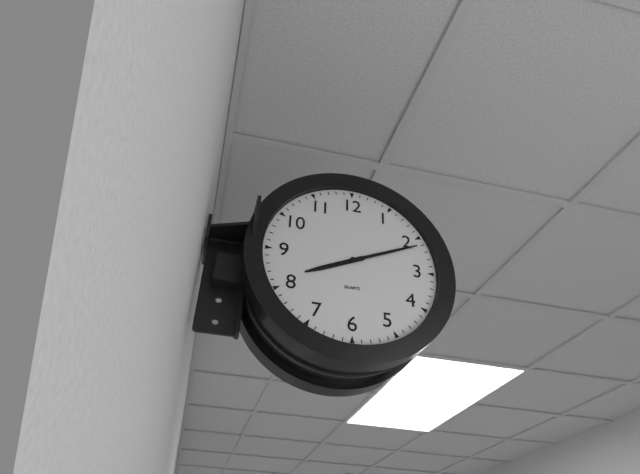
8:11
